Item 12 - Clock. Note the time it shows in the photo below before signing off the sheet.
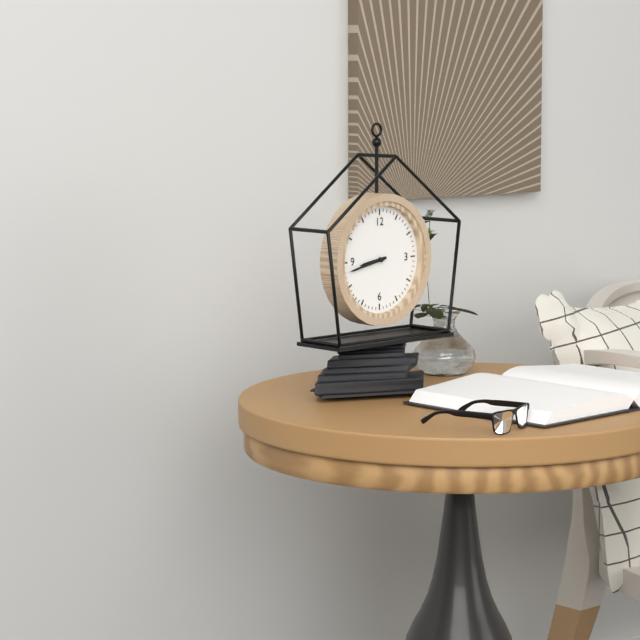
8:43
